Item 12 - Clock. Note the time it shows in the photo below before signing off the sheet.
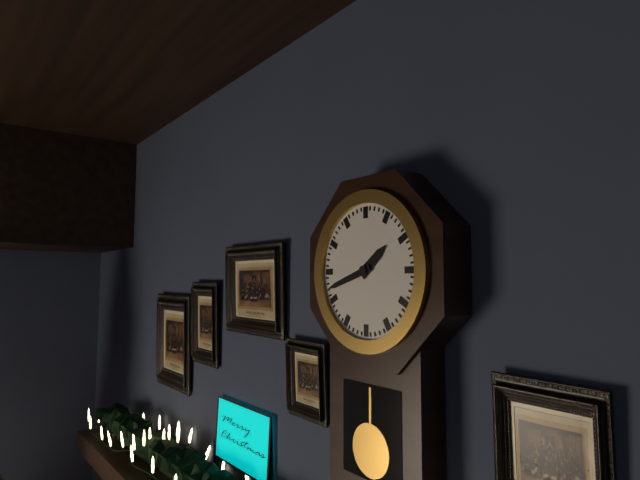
1:42
